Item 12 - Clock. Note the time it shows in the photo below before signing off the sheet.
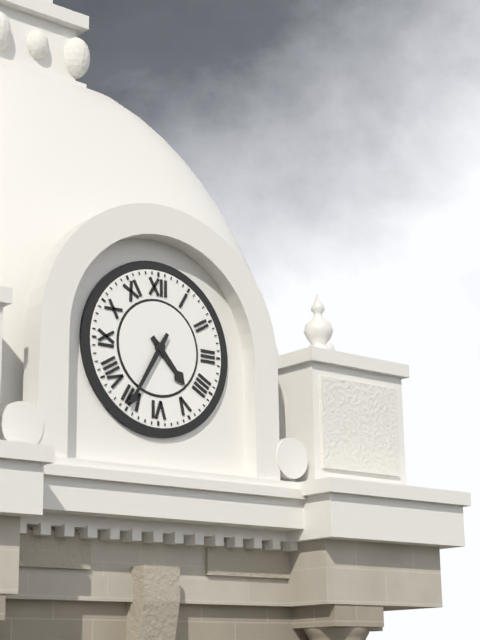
4:35
